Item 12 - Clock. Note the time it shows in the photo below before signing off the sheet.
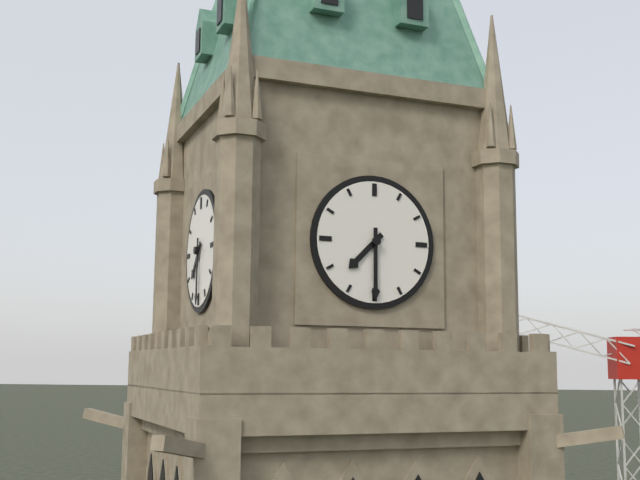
7:30
